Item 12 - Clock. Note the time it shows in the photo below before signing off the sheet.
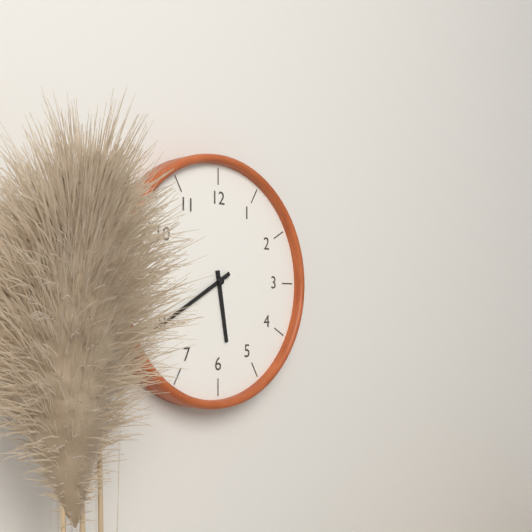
5:40
